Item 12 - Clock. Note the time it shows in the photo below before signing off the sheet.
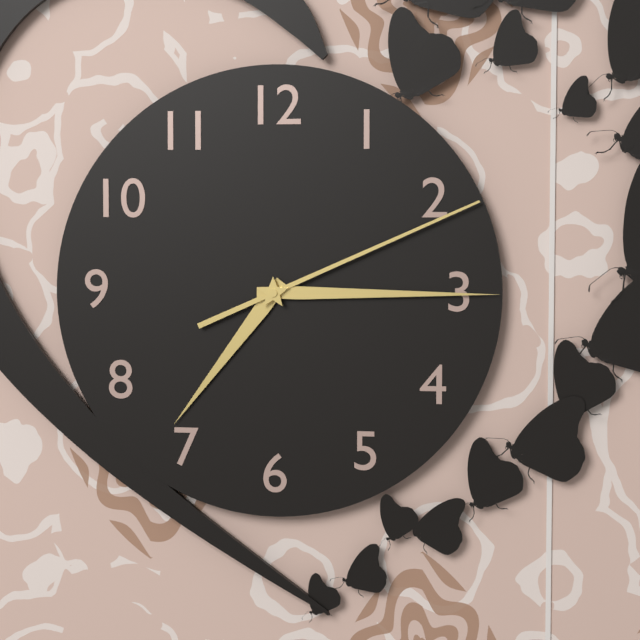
7:15:11
